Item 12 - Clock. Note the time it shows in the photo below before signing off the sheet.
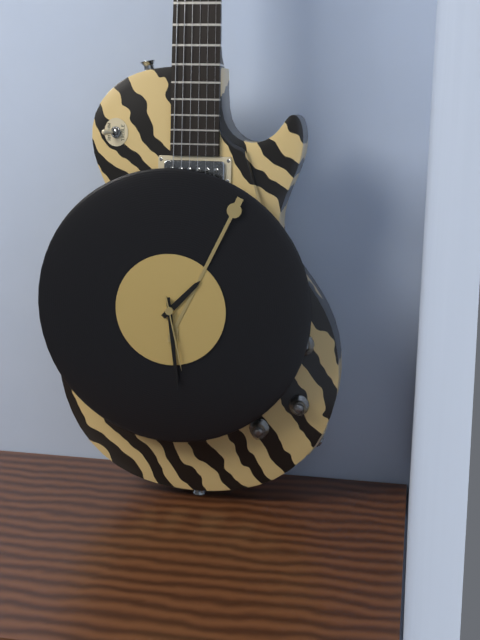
1:29:28
